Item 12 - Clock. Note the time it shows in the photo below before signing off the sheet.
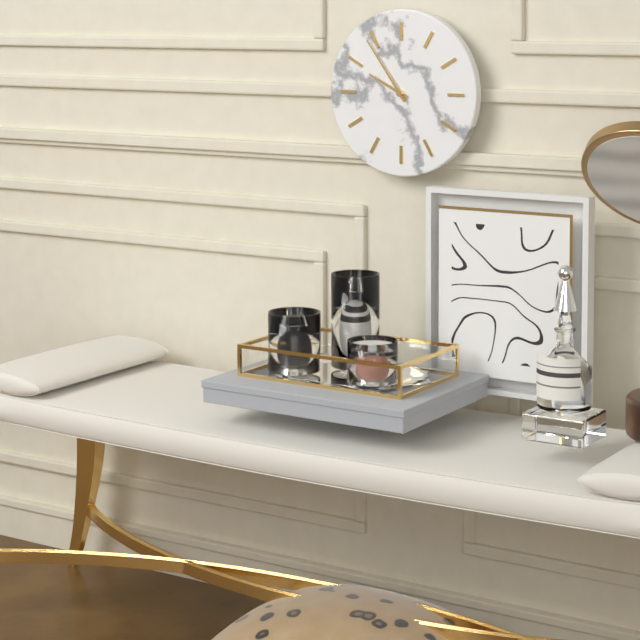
9:54
